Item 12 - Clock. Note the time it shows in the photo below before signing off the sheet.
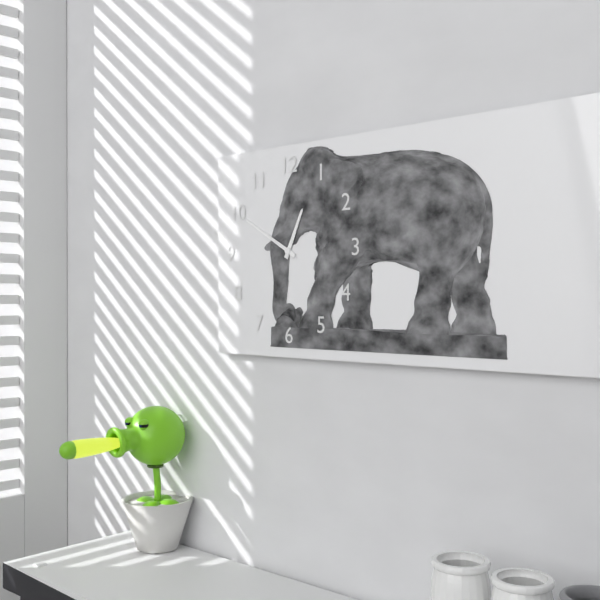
12:50
